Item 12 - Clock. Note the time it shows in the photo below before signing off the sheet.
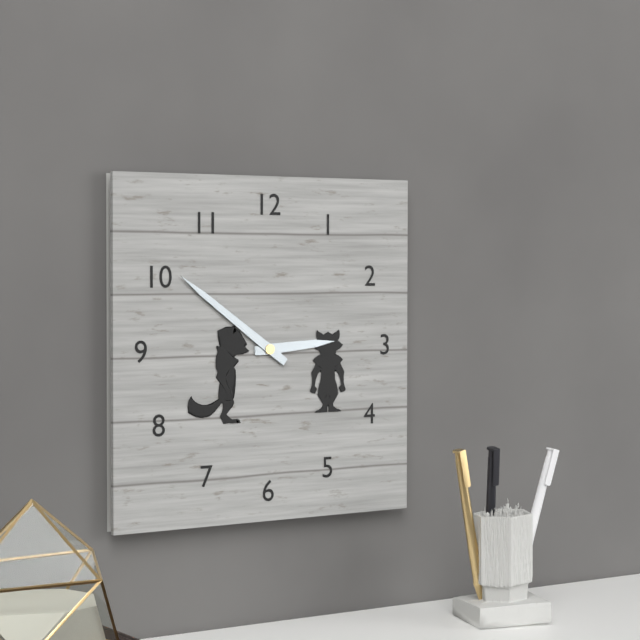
2:51
